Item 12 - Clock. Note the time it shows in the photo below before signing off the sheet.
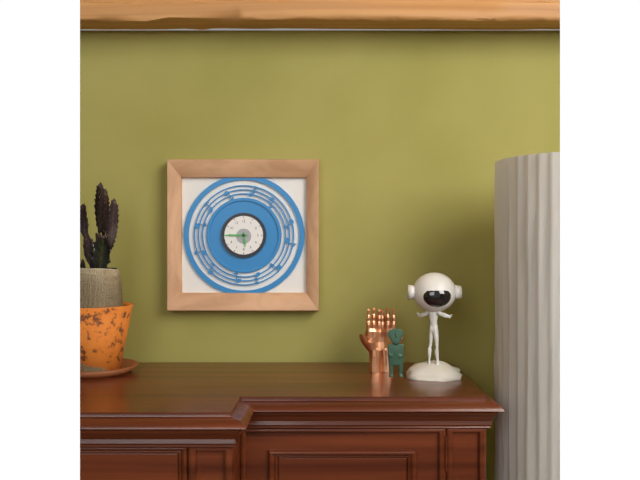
5:45
